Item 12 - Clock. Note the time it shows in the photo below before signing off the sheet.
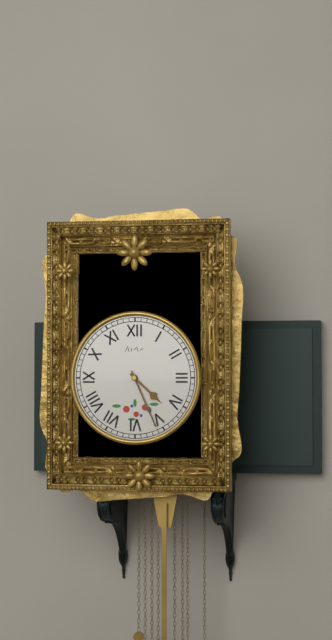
4:26
